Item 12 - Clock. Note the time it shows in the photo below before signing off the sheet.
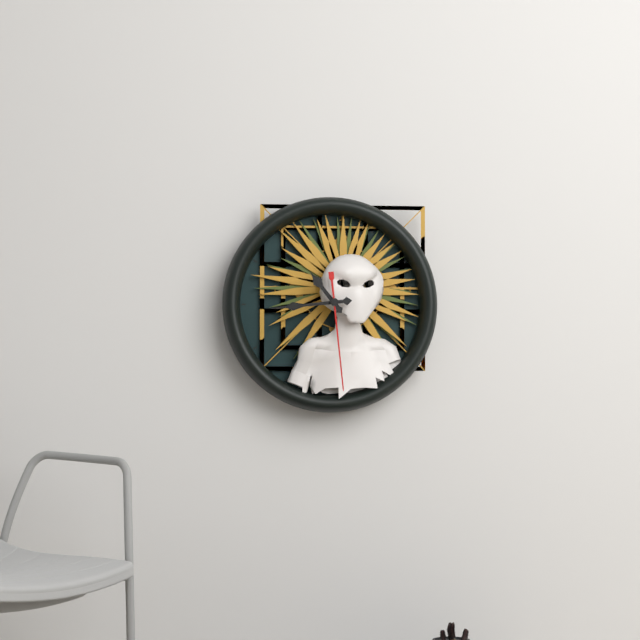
10:44:29
